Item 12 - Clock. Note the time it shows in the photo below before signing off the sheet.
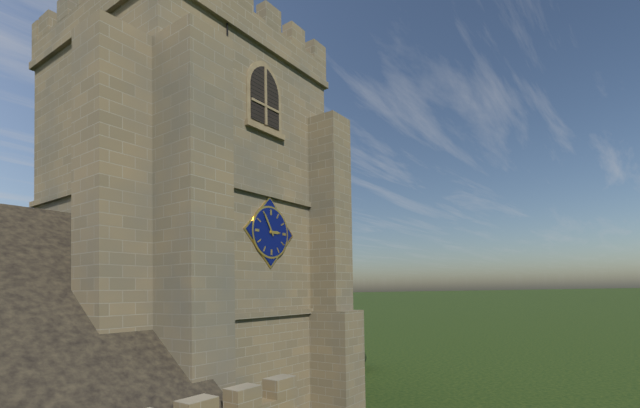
2:55
